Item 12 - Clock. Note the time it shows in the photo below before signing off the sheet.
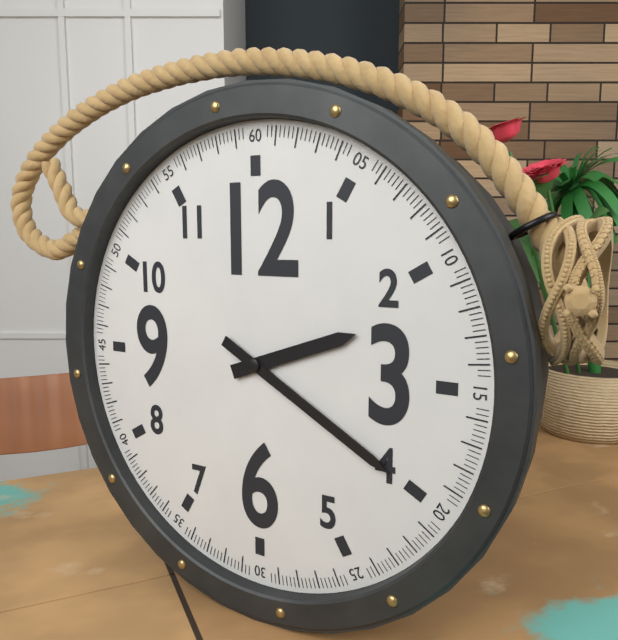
2:20
